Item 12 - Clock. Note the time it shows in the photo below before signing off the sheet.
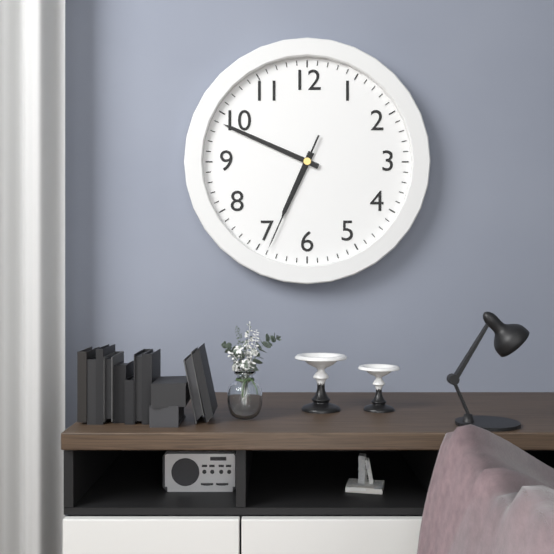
6:49:34
